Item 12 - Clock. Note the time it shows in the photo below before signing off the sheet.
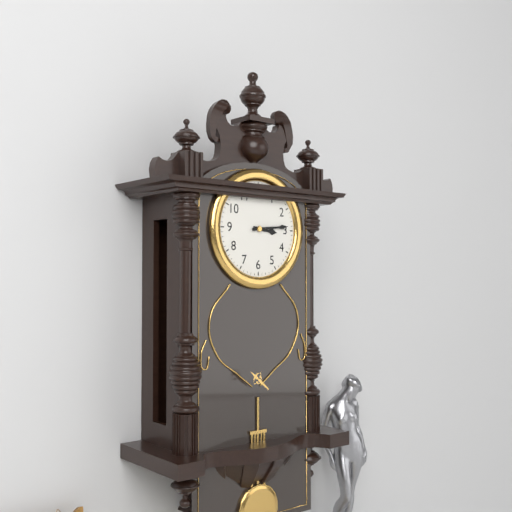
3:14
